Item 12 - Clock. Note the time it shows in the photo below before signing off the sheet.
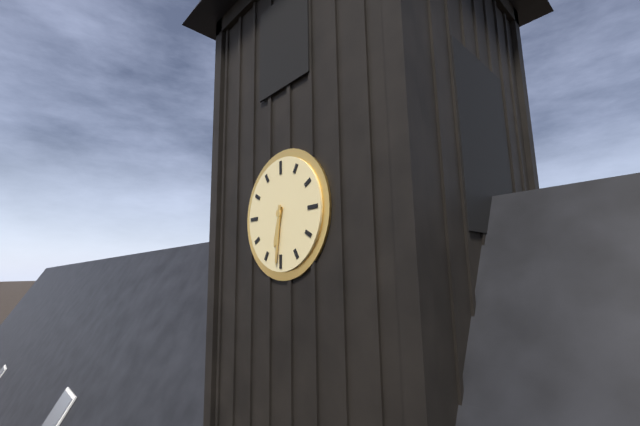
6:31
